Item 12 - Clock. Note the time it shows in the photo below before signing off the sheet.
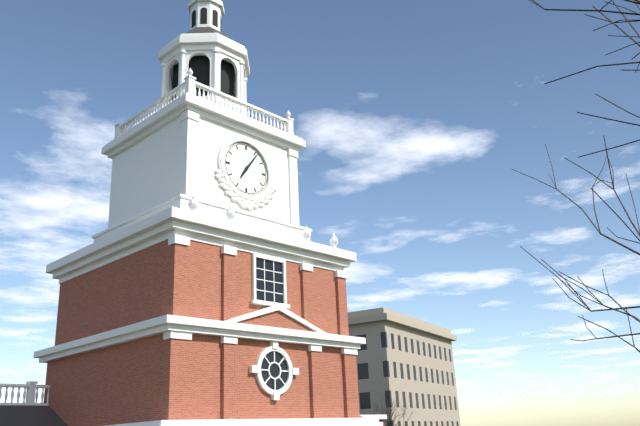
7:06
